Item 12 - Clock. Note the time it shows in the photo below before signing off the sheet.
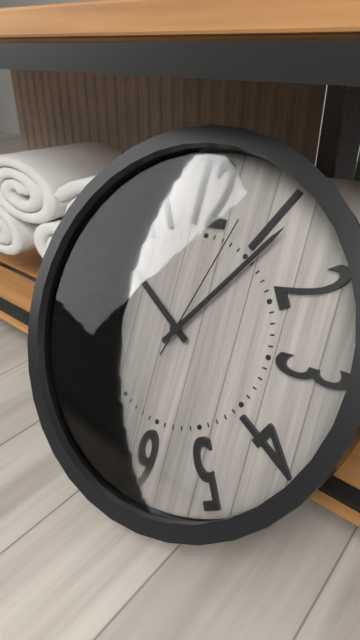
10:06:03
